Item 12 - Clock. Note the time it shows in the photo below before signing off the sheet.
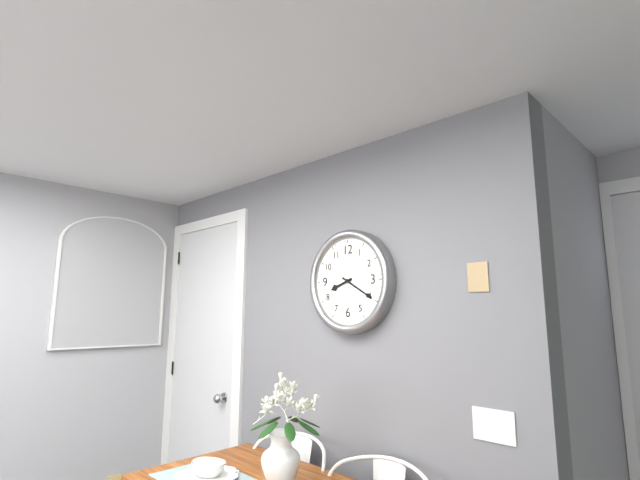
8:20
